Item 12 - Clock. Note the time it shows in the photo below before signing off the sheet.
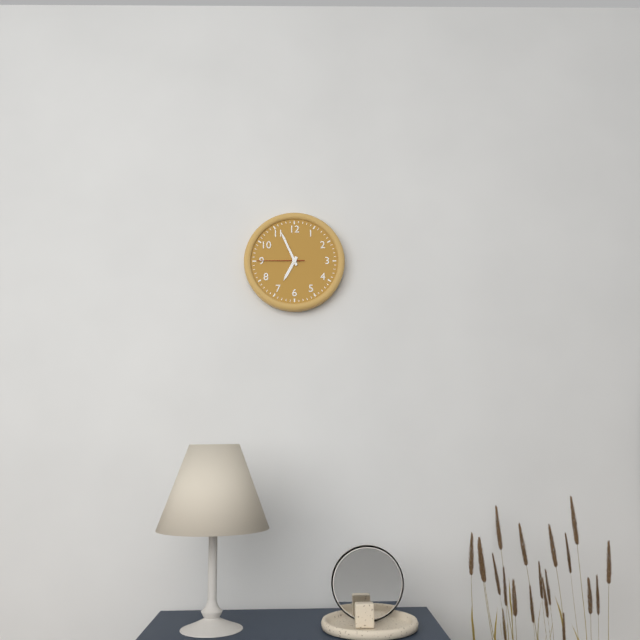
6:56
